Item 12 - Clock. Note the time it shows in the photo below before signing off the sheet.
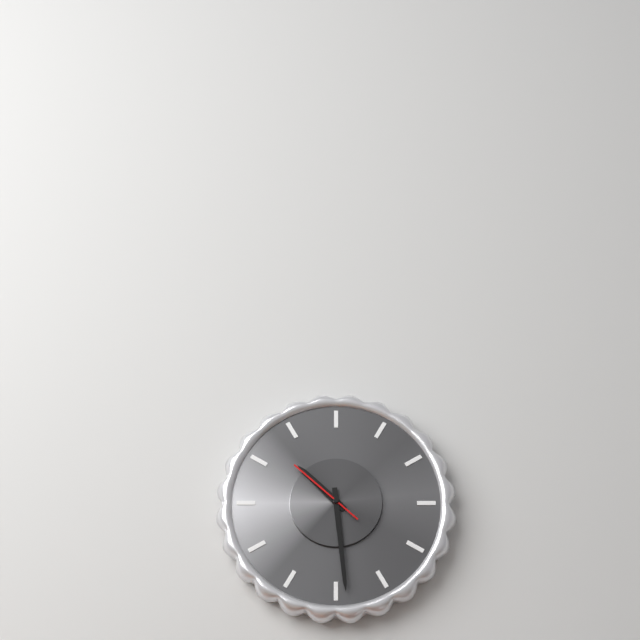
10:29:52
